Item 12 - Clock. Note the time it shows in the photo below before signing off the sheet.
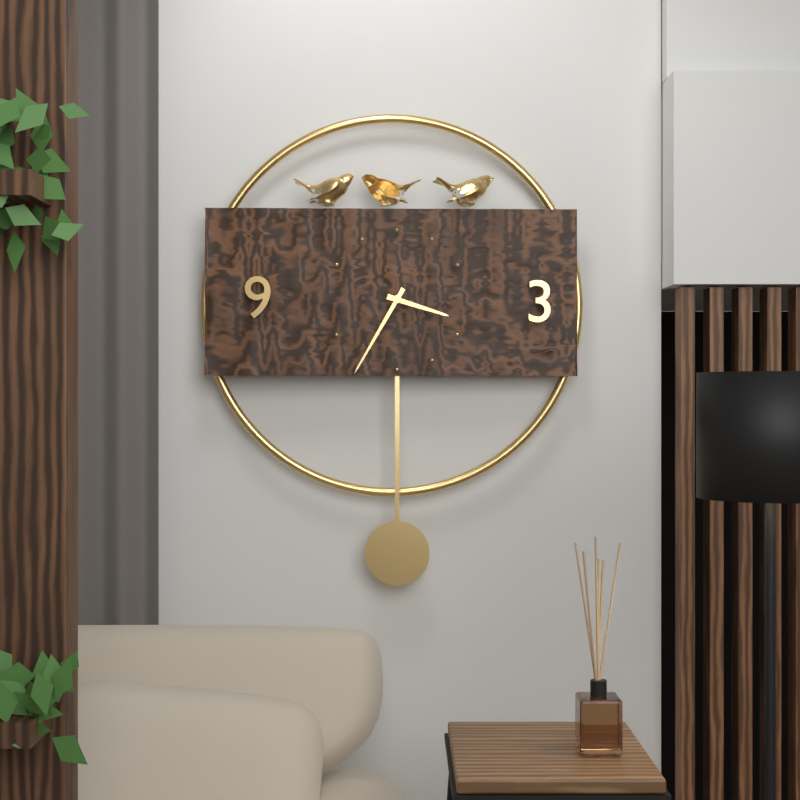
3:35
